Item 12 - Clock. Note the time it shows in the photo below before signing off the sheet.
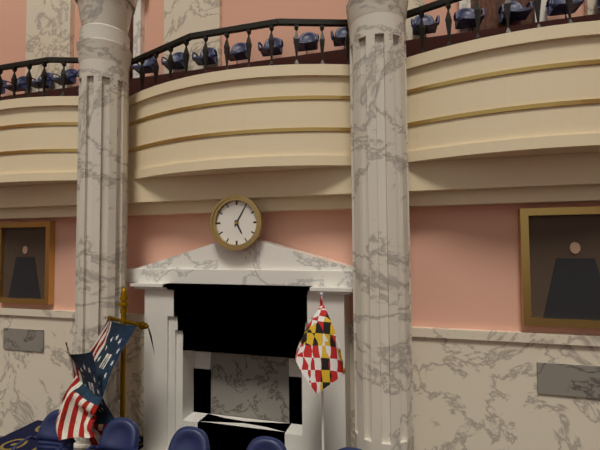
5:05
